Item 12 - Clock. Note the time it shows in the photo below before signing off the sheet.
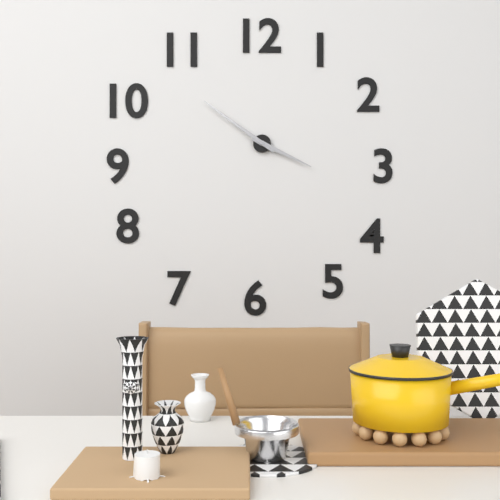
3:51
